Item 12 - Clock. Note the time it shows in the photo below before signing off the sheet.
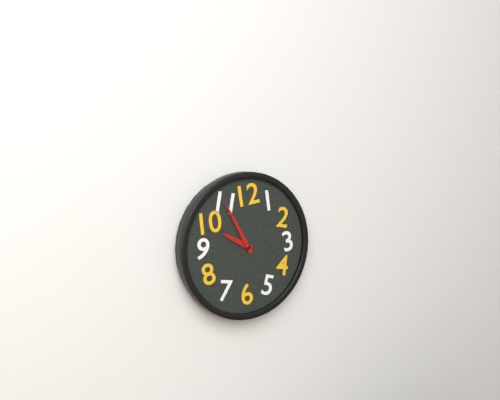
9:55
